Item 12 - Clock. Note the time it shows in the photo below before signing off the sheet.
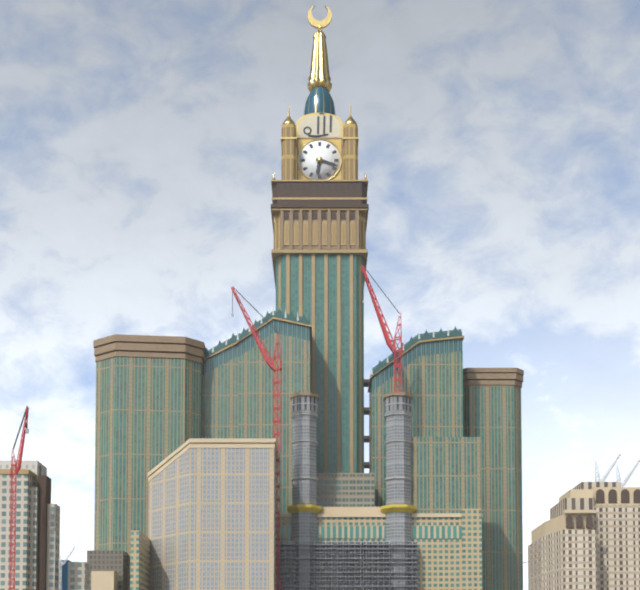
6:18
